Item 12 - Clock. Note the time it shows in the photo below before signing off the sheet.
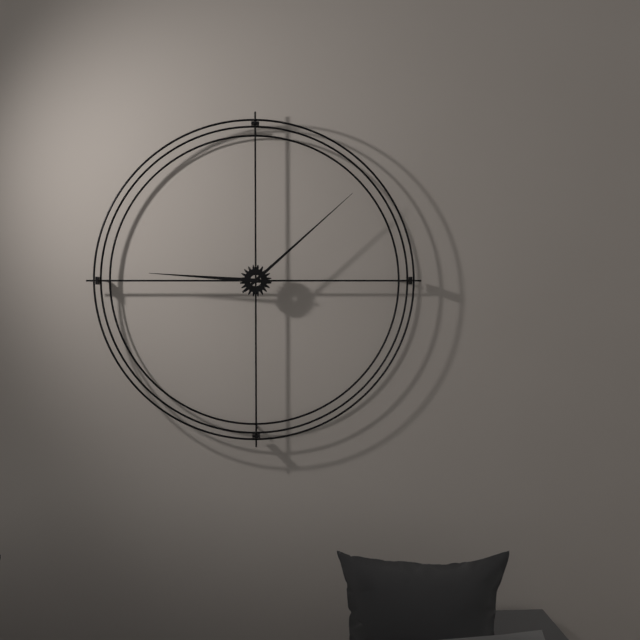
9:08
